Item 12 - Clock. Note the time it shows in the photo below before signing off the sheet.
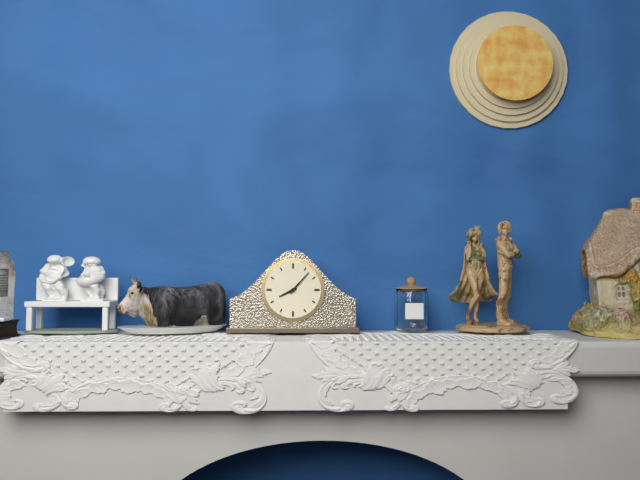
8:07
